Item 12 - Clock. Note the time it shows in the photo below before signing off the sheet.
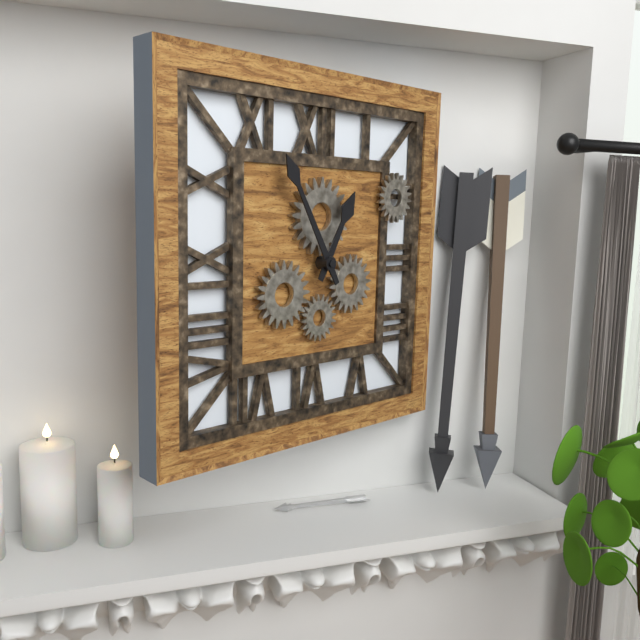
12:55
